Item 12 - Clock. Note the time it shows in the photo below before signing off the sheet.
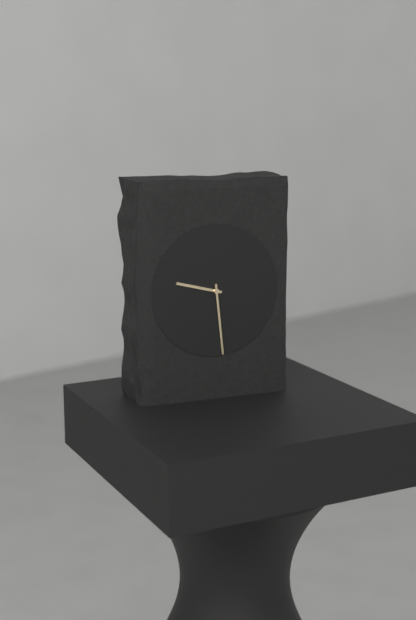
9:29
